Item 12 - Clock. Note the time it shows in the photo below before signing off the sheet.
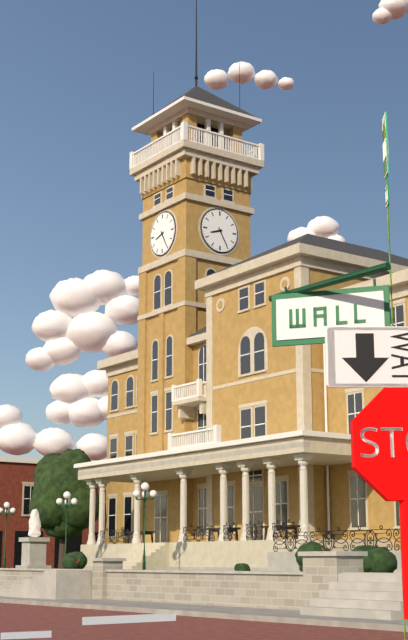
8:25
